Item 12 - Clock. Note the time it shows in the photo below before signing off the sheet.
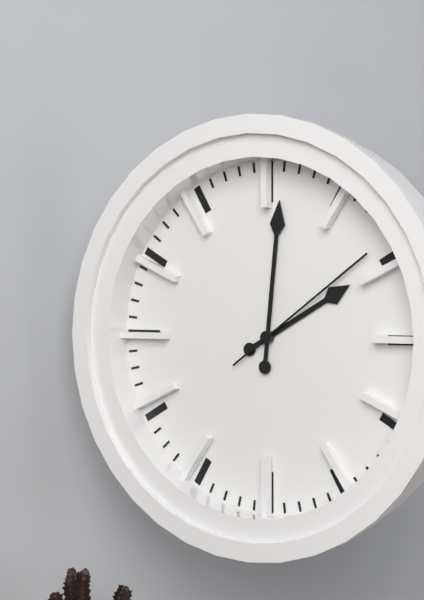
2:01:09
